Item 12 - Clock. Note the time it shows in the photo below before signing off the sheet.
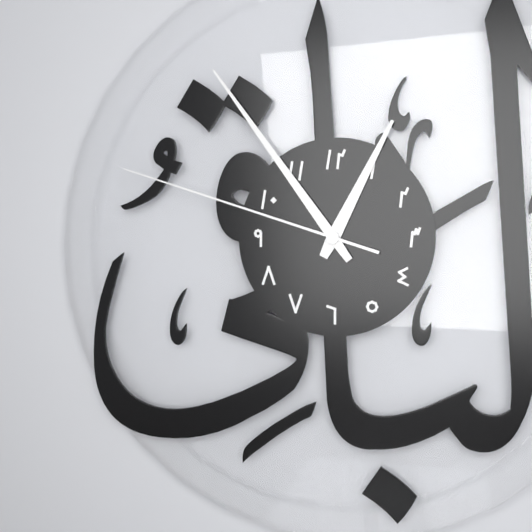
12:54:48
